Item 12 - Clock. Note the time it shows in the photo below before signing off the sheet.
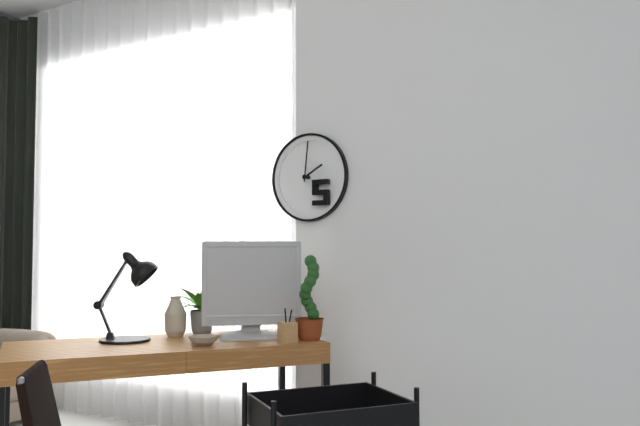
2:01
